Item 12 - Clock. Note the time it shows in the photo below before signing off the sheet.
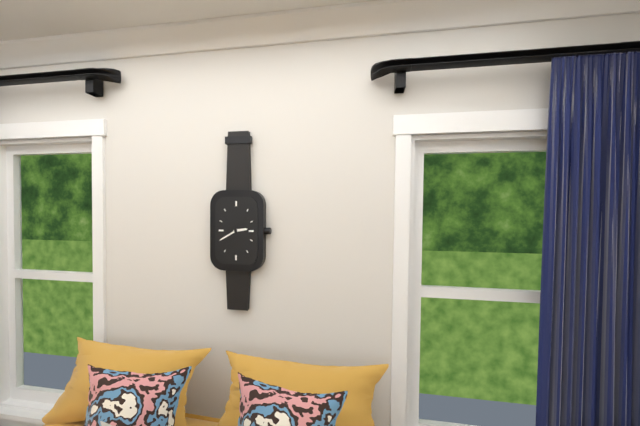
2:40
